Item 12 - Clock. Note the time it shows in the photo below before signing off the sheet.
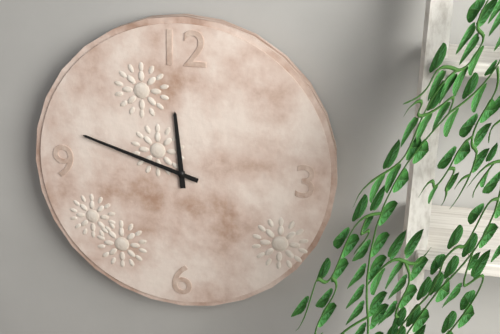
11:48
